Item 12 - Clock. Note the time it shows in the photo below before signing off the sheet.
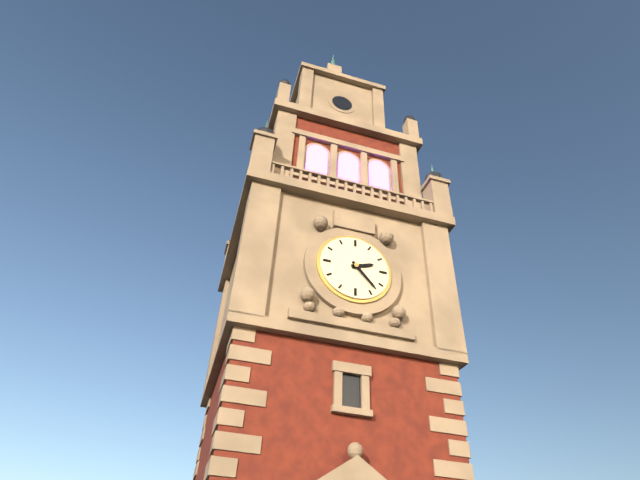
2:23
